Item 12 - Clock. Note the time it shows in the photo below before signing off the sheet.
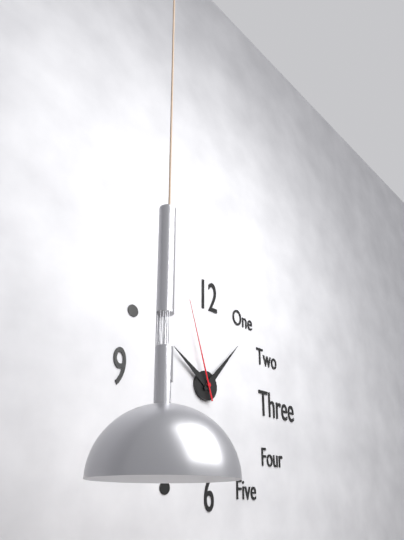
10:07:57
